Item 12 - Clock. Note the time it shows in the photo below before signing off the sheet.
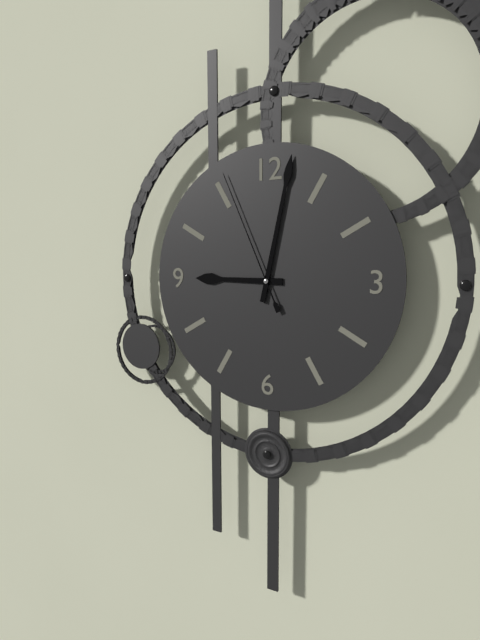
9:02:56
